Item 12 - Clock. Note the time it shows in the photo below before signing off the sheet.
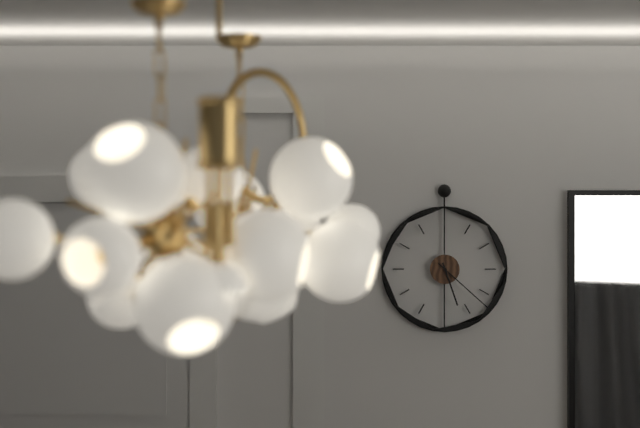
5:22
